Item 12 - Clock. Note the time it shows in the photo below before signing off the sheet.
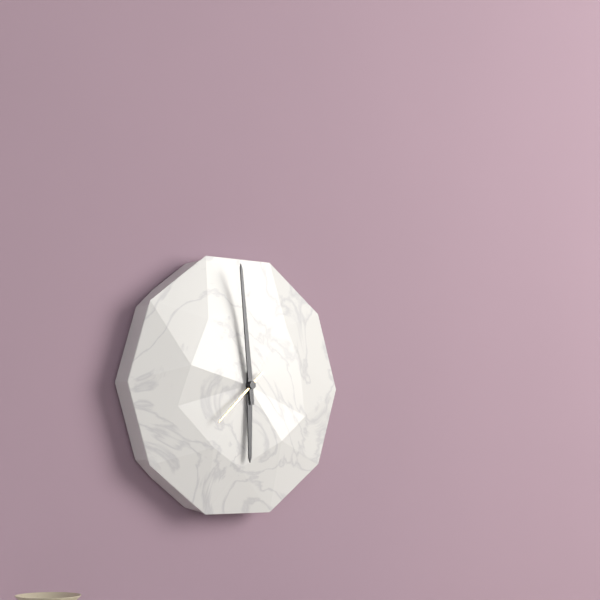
5:59:38
